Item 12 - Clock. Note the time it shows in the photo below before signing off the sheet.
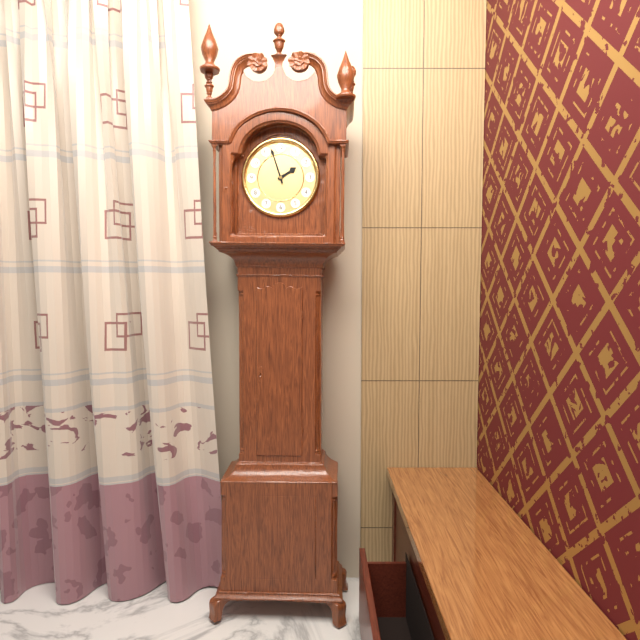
1:57
